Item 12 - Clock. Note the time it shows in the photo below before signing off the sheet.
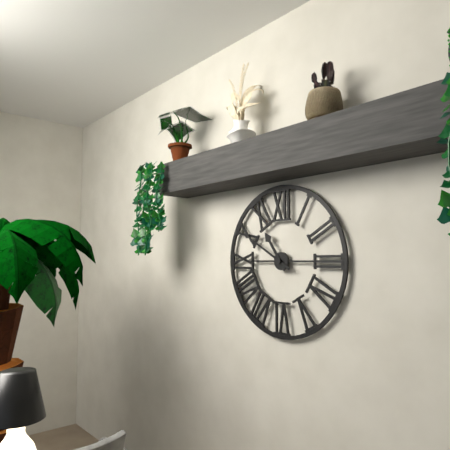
10:50
